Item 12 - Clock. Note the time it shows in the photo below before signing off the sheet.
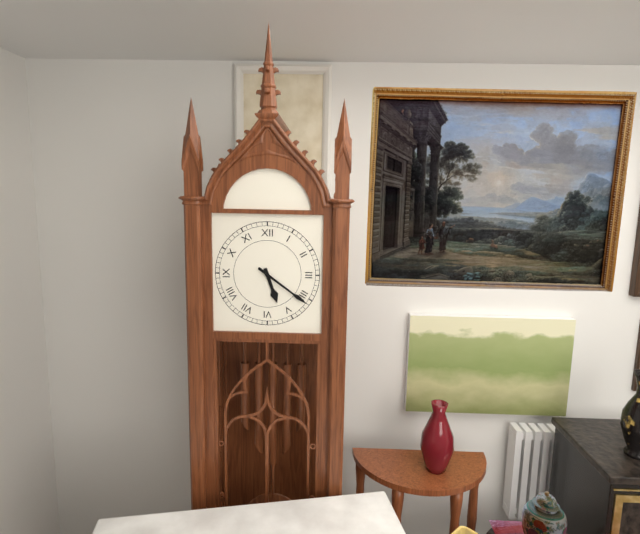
5:21
